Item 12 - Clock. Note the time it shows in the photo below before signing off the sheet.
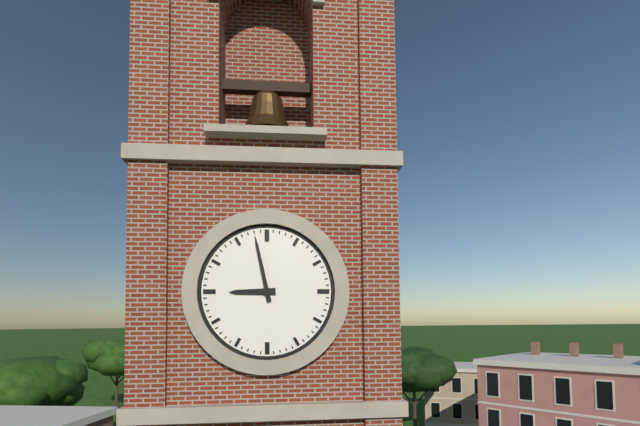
8:58
